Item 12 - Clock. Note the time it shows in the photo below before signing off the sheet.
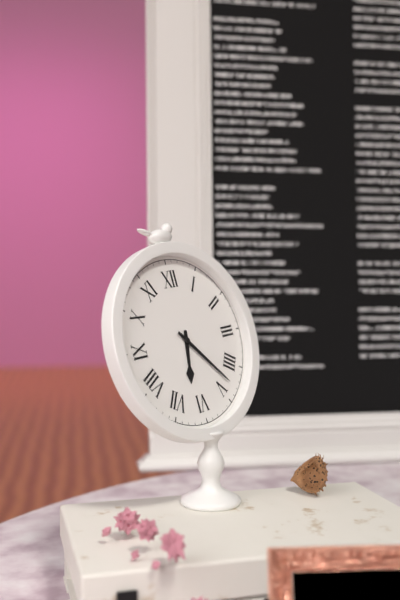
6:23
